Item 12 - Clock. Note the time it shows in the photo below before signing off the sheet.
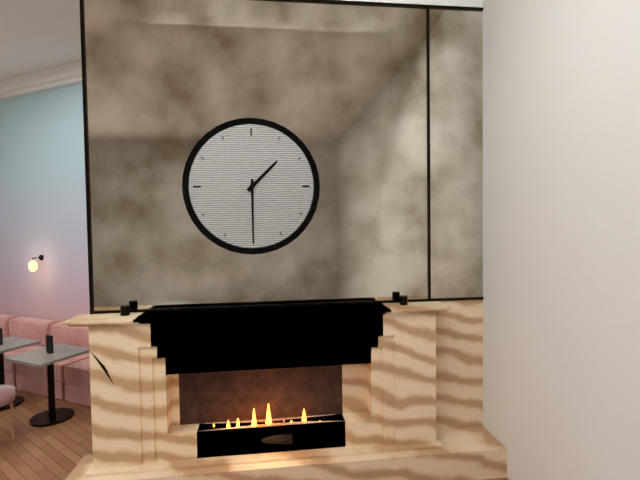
1:30
